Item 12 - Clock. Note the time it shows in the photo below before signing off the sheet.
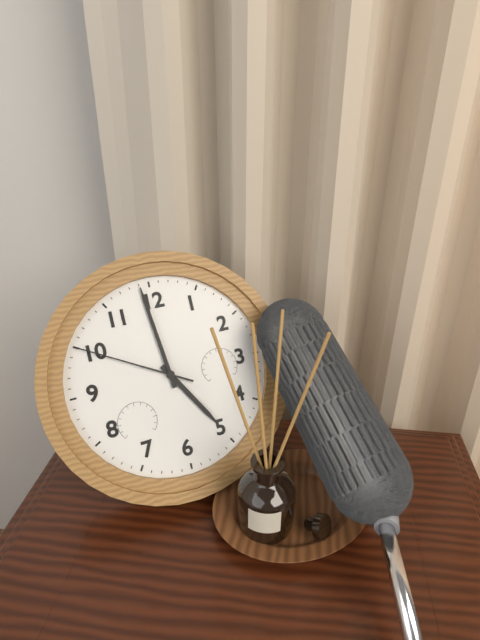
4:59:50
